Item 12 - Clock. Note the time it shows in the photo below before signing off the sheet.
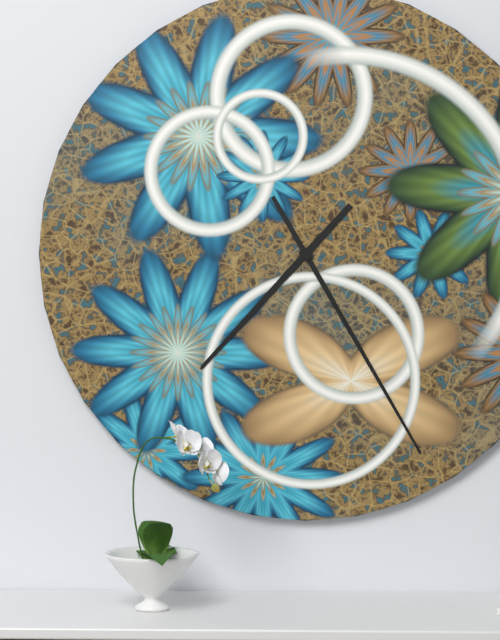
7:25
